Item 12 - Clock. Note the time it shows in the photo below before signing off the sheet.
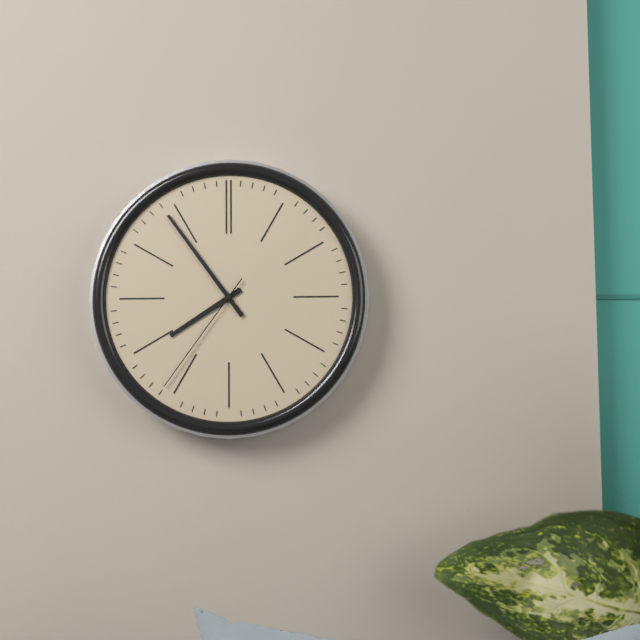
7:54:36
